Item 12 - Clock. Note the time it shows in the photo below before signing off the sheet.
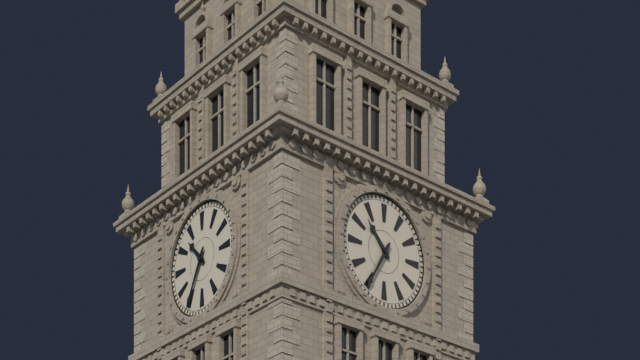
10:35
